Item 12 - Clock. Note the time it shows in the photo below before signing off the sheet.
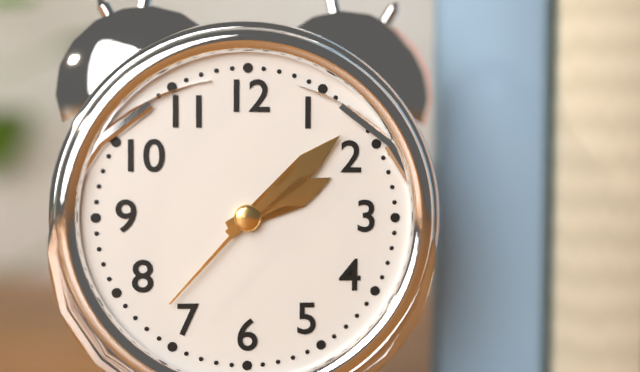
2:08:37
